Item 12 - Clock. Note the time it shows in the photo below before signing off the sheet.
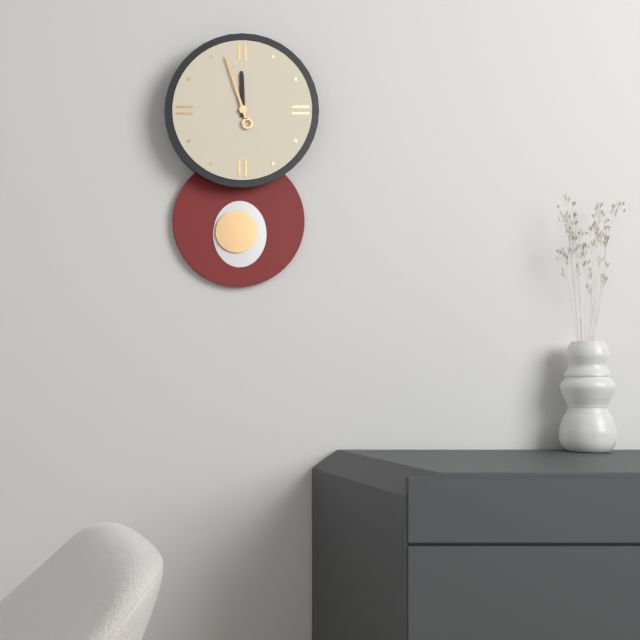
11:57
